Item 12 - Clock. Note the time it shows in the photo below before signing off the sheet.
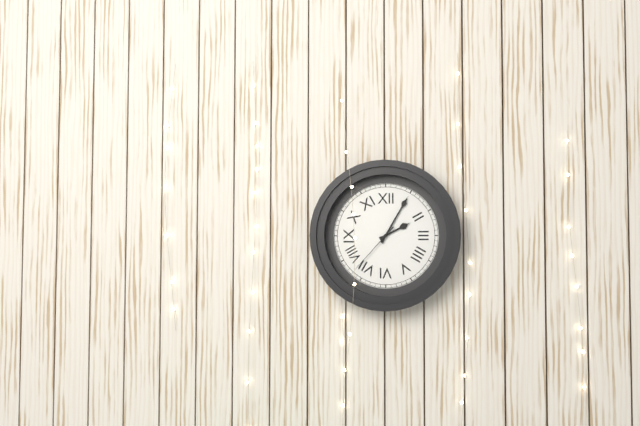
2:05:37
